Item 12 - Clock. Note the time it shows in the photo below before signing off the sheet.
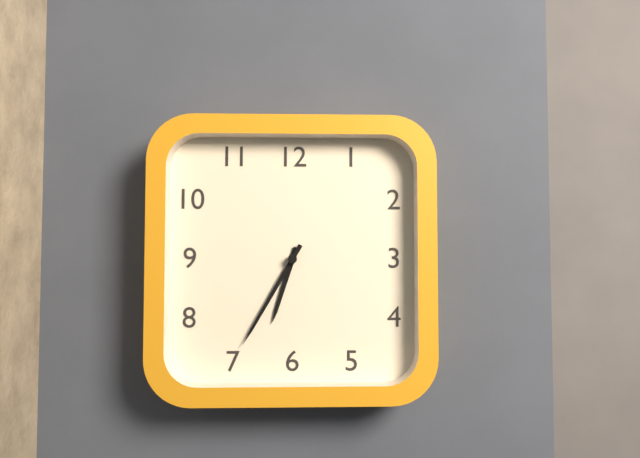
6:35
